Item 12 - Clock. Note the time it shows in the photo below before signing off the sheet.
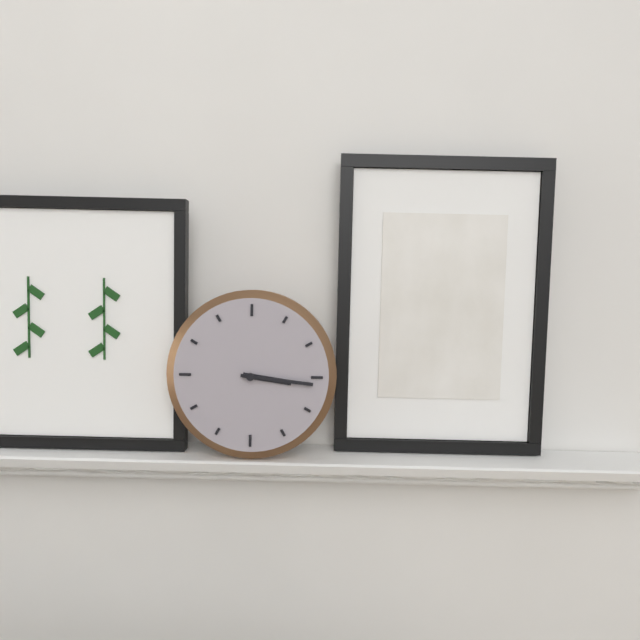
3:16
